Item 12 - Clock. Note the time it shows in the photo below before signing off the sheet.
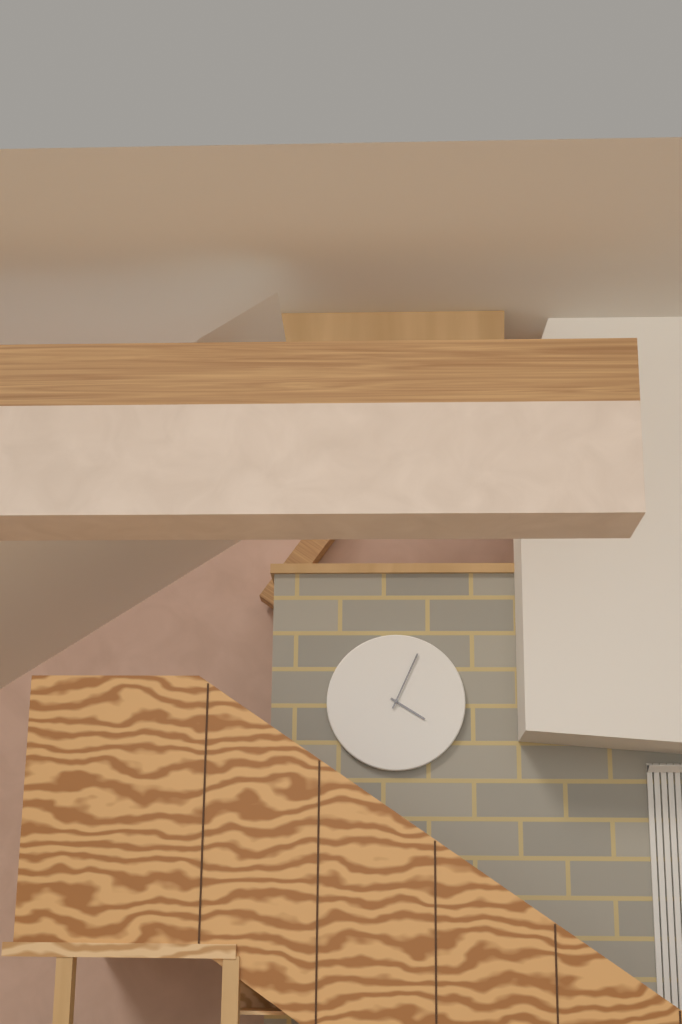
4:04
